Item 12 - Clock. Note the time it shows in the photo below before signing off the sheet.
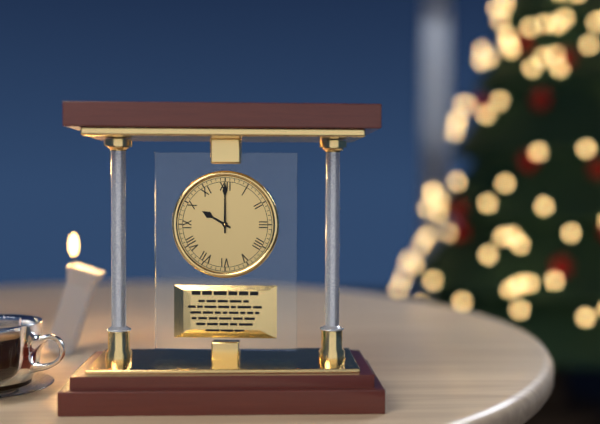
10:00
